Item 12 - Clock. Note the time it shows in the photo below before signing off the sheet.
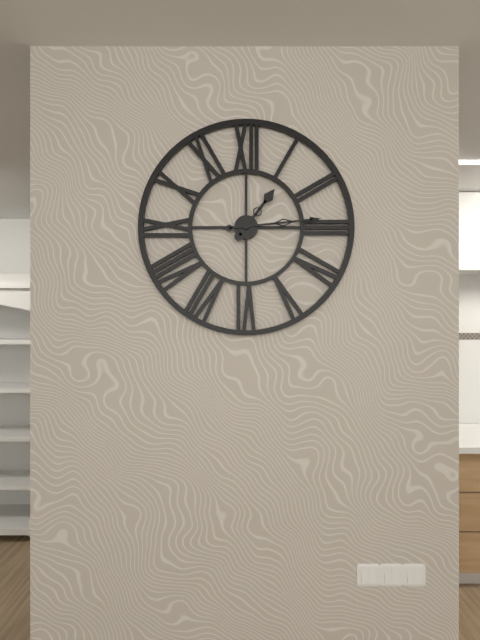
1:14
